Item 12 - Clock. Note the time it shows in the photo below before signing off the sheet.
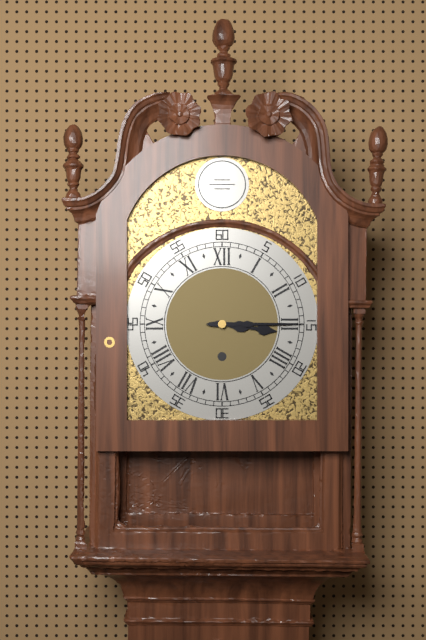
3:15
